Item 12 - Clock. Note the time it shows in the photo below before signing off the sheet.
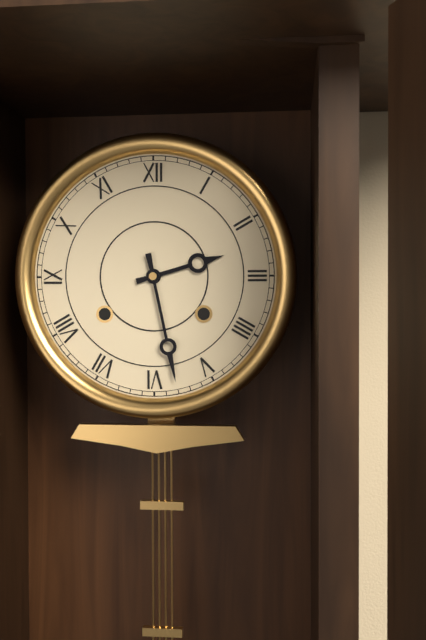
2:28
